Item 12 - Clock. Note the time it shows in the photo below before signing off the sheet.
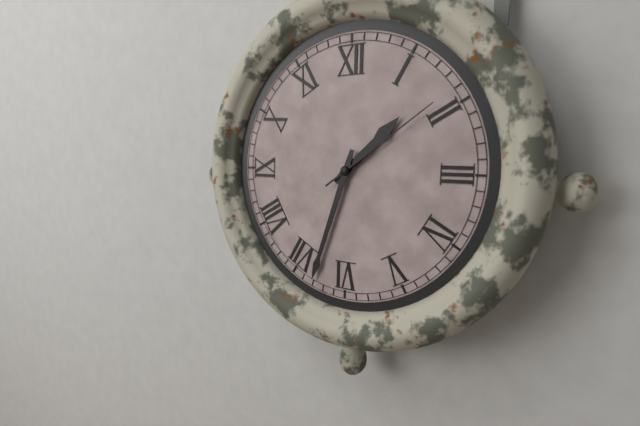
1:33:09
